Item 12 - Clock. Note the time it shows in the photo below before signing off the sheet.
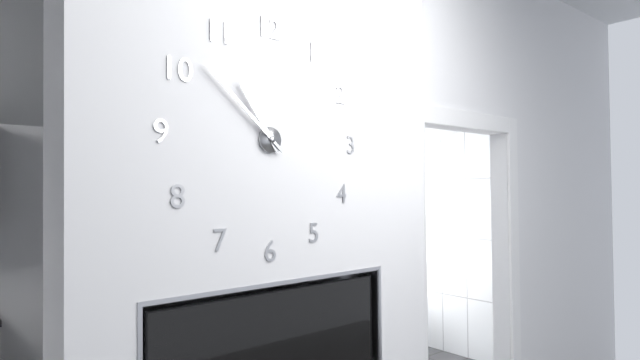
10:52
